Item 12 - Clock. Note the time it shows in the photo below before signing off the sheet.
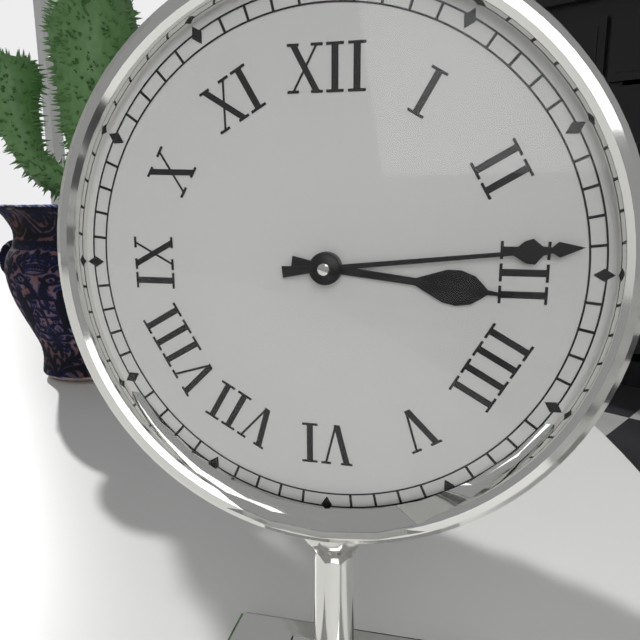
3:14
